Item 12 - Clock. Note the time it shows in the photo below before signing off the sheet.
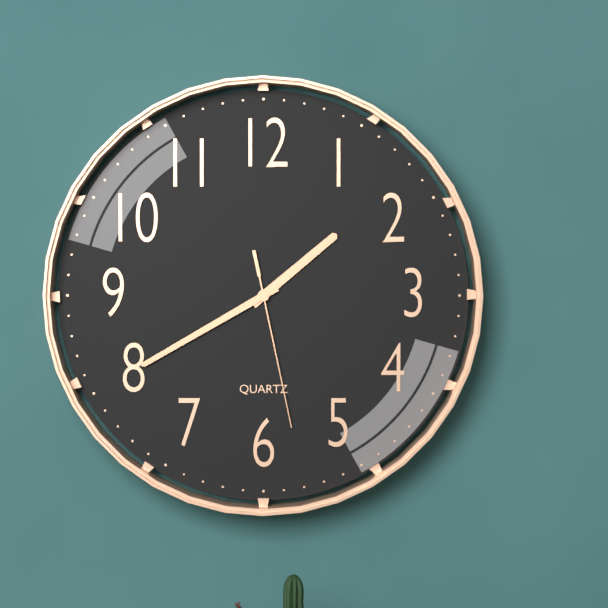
1:40:28
